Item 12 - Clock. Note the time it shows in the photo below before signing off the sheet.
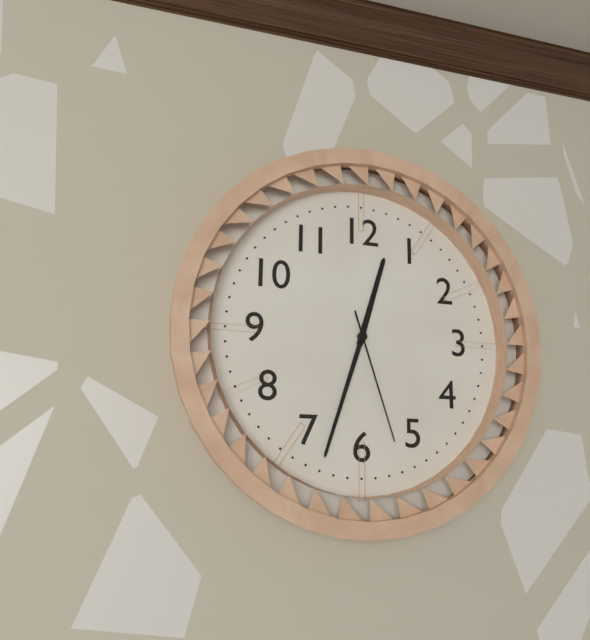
12:33:27
